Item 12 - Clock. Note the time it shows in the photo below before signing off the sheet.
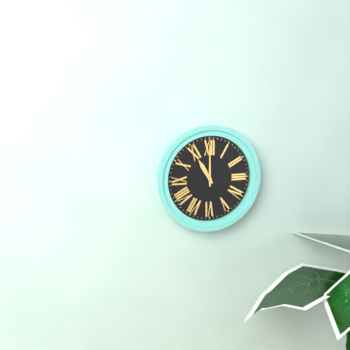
11:00
